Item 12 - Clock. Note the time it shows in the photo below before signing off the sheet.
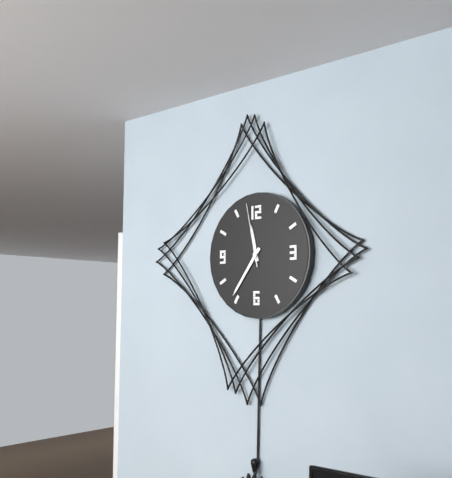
11:36:58
